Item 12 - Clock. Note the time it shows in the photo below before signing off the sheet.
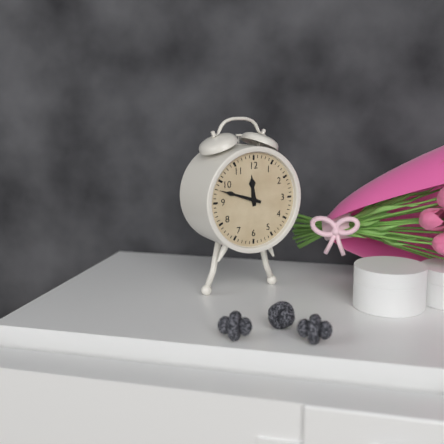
11:48
